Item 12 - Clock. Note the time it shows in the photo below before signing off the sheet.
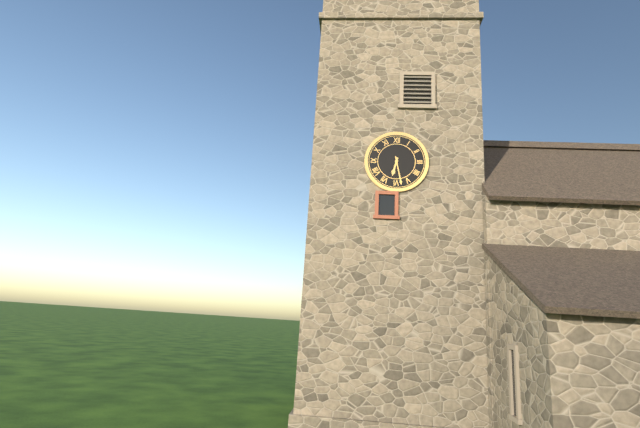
6:28
